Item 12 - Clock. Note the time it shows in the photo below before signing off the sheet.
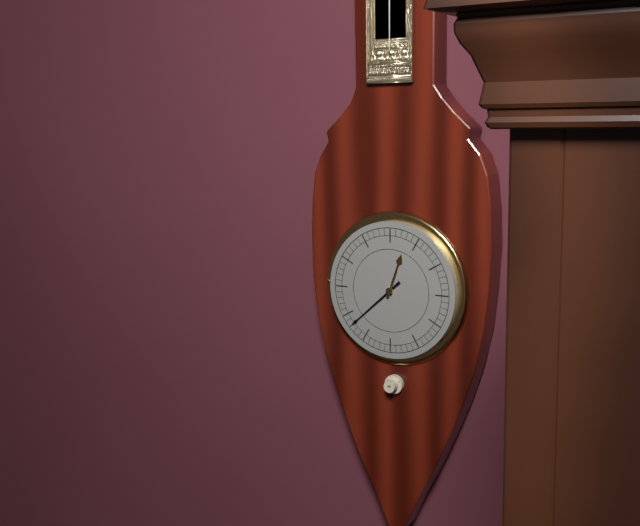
12:38
